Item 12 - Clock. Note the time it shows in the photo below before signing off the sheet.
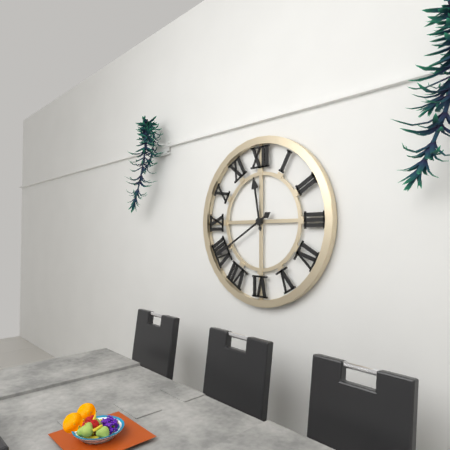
11:40
